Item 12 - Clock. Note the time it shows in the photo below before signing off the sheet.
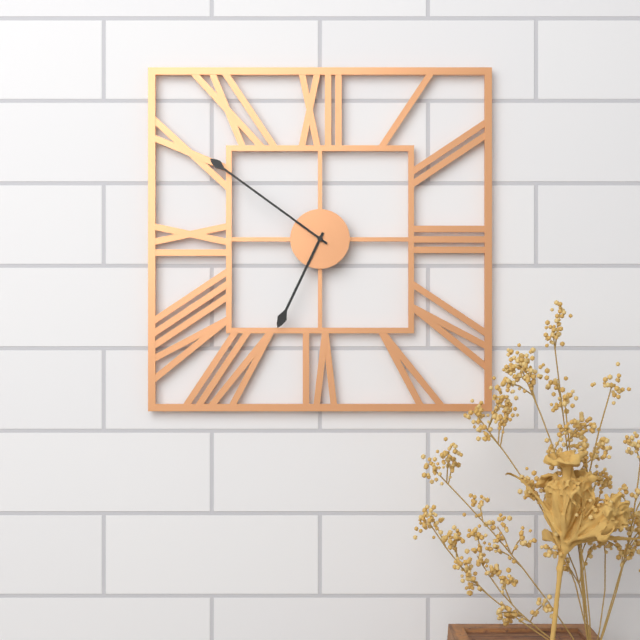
6:51
